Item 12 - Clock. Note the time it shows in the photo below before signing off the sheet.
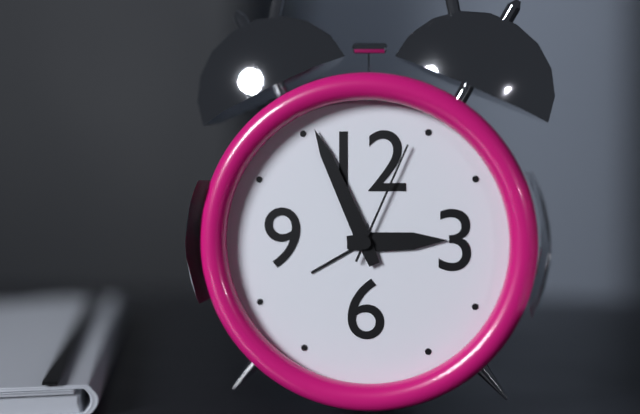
2:56:04
